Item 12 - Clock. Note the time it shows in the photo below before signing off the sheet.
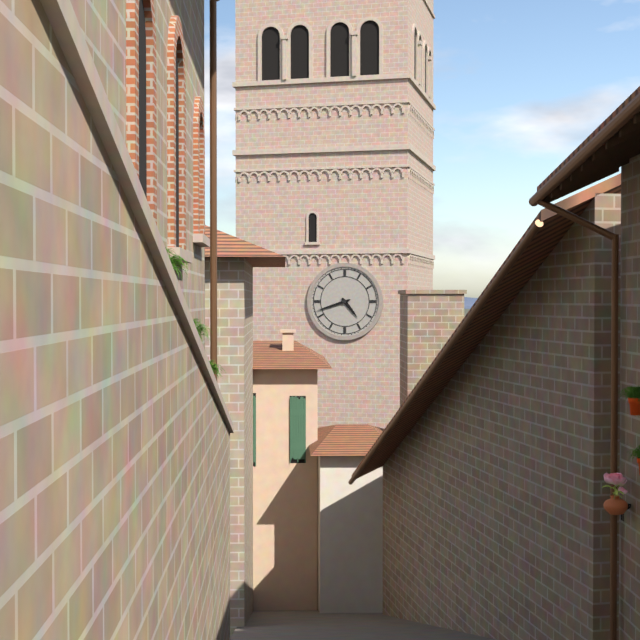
4:42
